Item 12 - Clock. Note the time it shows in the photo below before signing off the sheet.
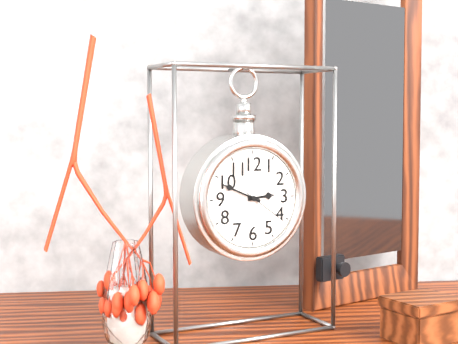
2:49:21
